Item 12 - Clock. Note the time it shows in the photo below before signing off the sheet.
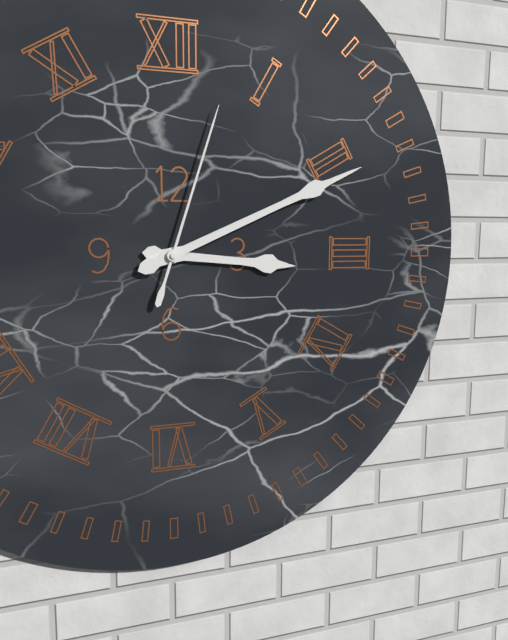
3:11:03
